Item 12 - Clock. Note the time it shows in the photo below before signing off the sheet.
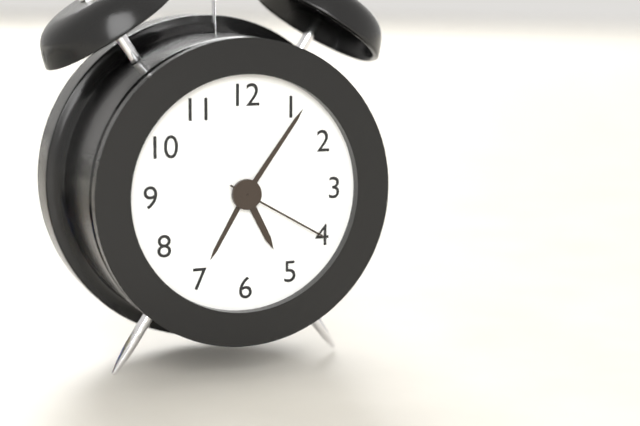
5:06:20
